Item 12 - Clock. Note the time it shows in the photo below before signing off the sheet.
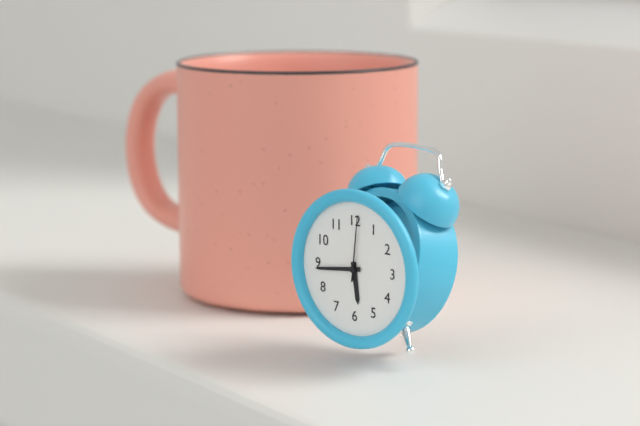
5:44:01
